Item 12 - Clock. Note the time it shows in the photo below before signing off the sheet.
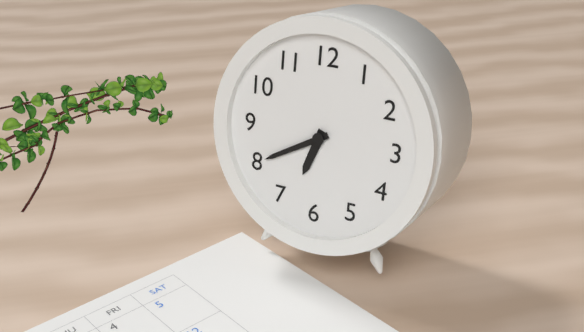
6:40
